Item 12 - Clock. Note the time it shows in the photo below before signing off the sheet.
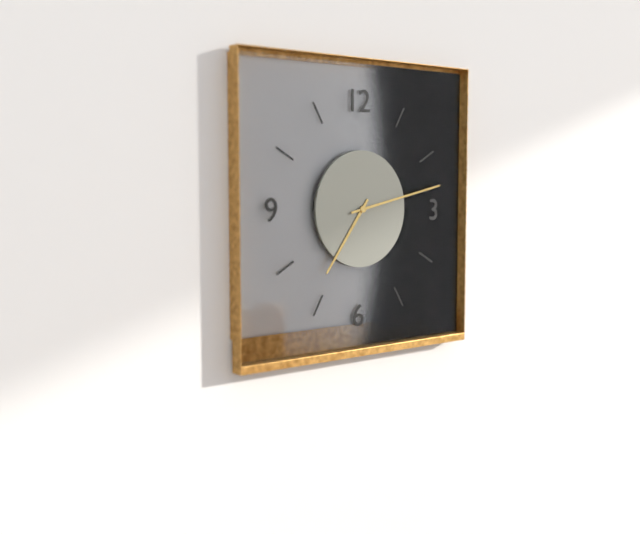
7:13
